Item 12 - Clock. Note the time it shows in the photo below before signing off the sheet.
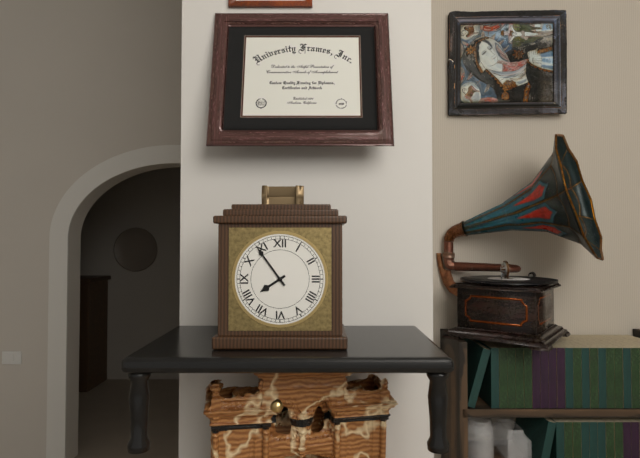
7:54
